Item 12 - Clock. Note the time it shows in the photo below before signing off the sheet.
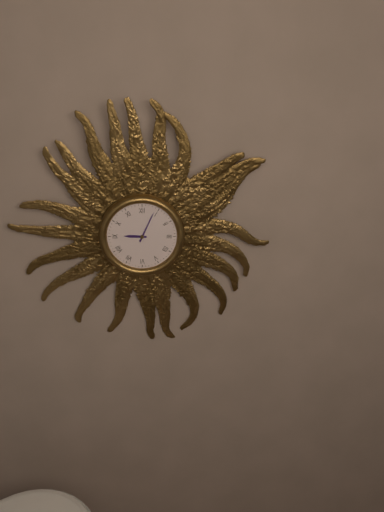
9:04
